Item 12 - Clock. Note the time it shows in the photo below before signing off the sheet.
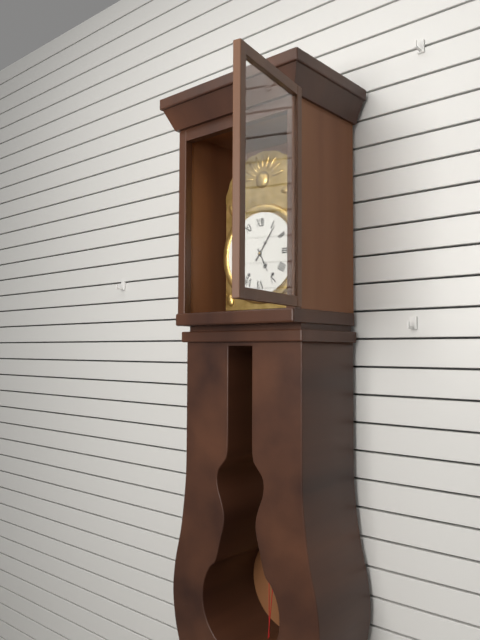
5:06
